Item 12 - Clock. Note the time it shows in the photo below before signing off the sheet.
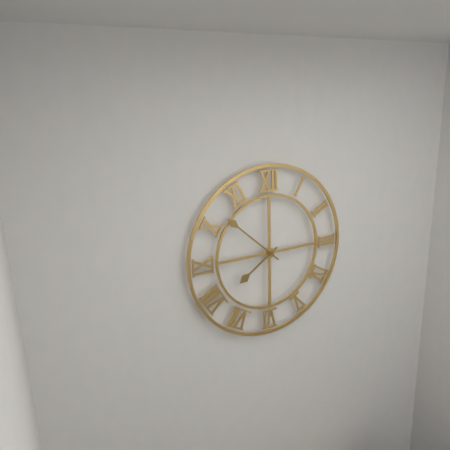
7:52
